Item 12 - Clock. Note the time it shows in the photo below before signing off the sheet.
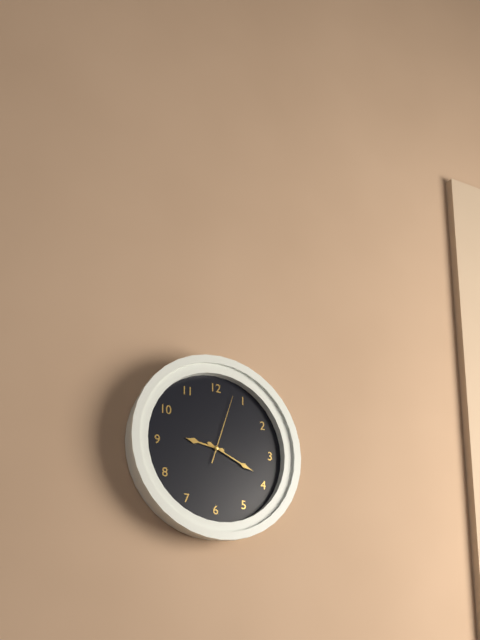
9:19:03
